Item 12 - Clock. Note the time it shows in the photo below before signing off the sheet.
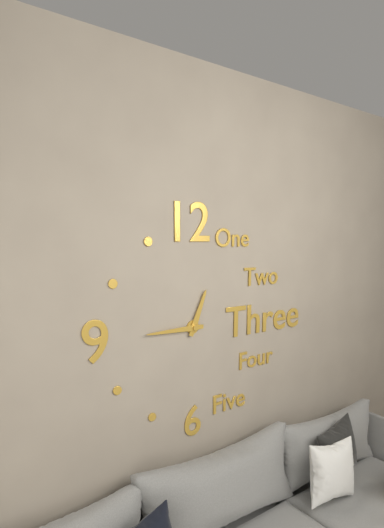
12:45
